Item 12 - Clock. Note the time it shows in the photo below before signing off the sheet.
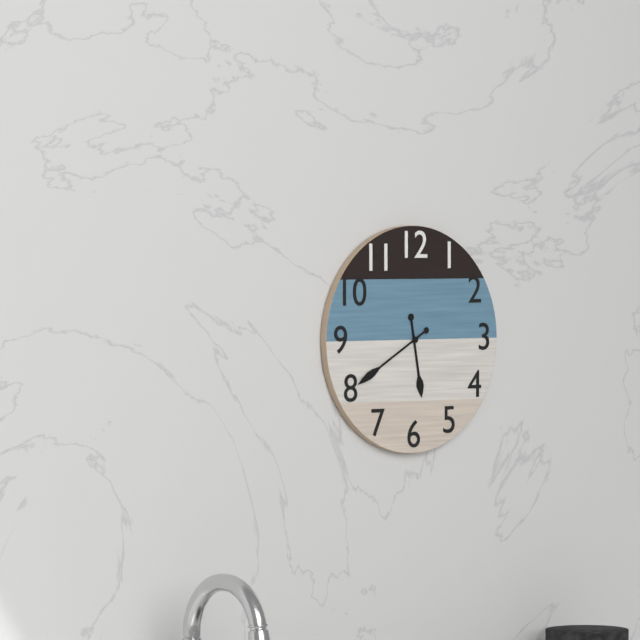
5:40
